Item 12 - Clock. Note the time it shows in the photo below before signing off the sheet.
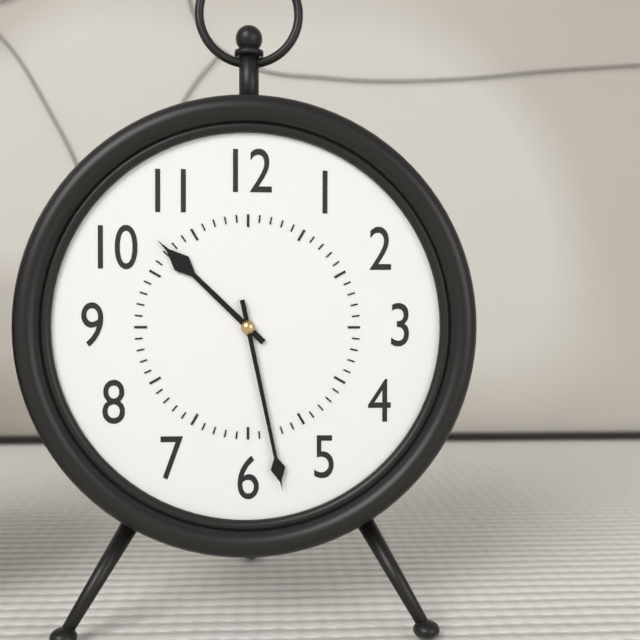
10:28
